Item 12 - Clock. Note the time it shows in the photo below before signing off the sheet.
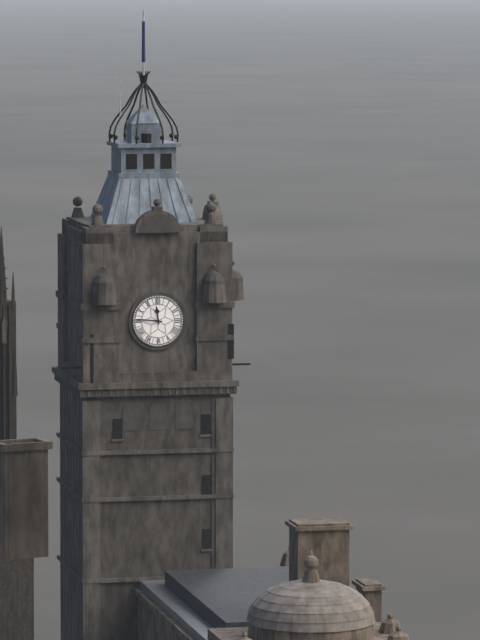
11:46
